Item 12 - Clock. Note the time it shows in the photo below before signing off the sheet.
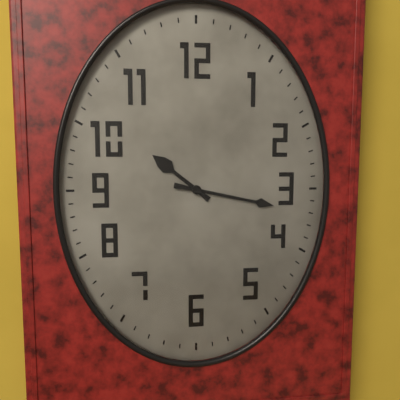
10:17
